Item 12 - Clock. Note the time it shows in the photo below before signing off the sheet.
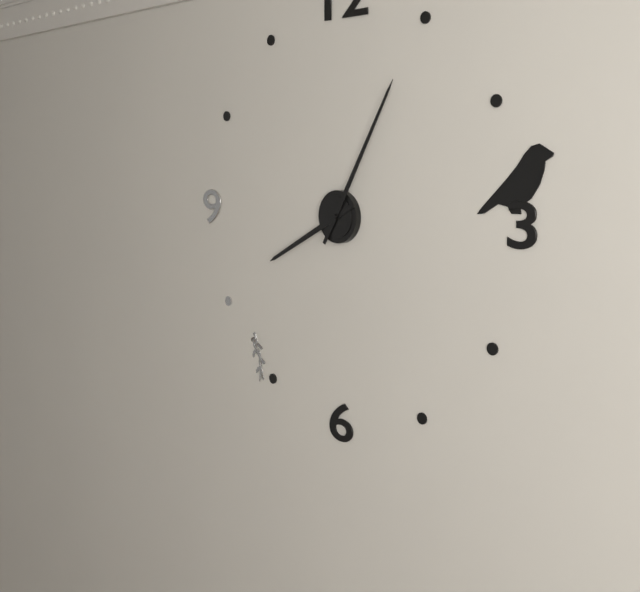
8:05
